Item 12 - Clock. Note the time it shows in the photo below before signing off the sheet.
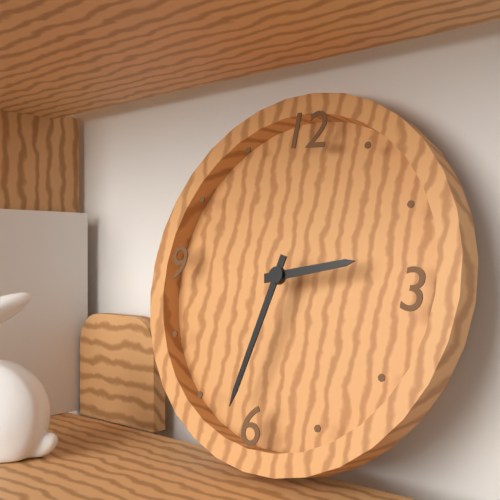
2:32
